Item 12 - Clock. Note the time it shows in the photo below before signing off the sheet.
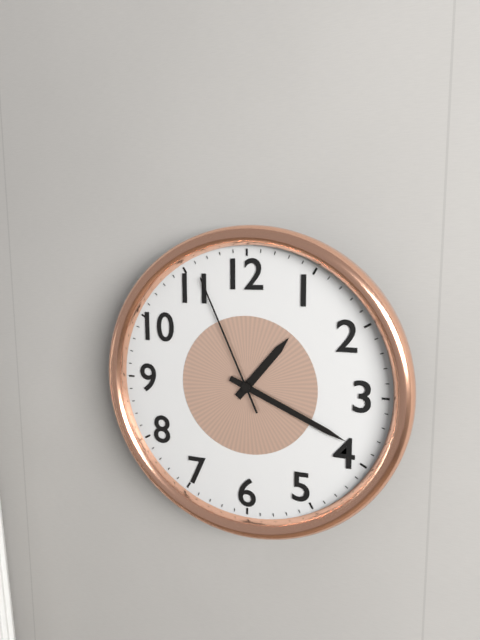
1:19:56
